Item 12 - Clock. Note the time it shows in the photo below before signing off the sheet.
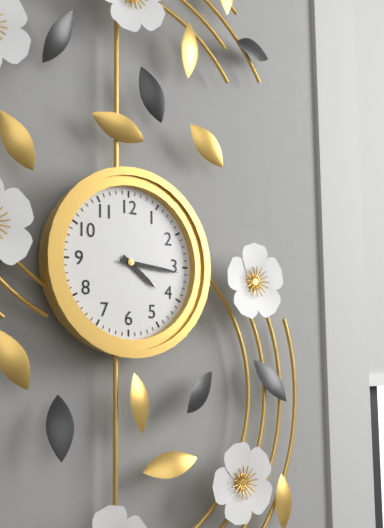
4:16
